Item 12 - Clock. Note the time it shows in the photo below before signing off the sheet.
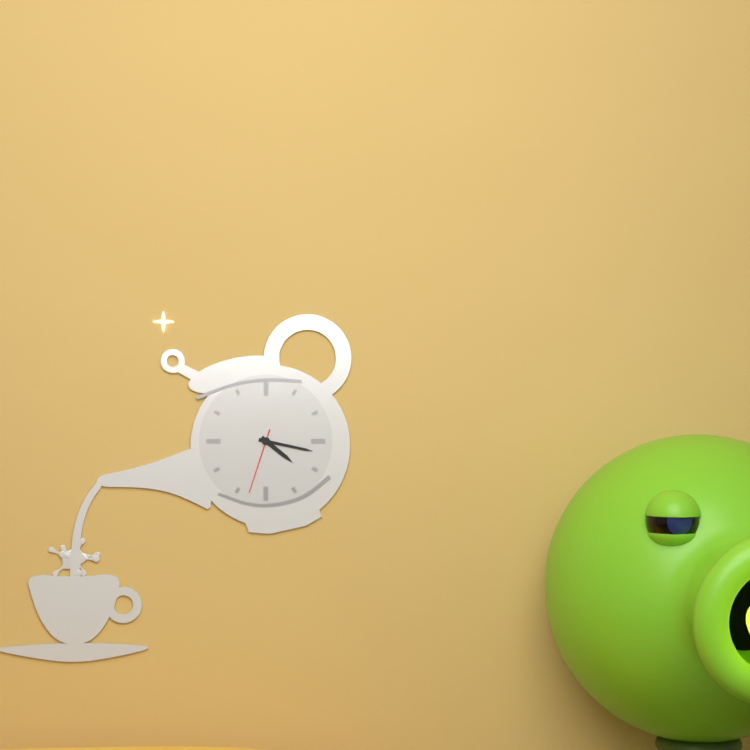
4:17:33
